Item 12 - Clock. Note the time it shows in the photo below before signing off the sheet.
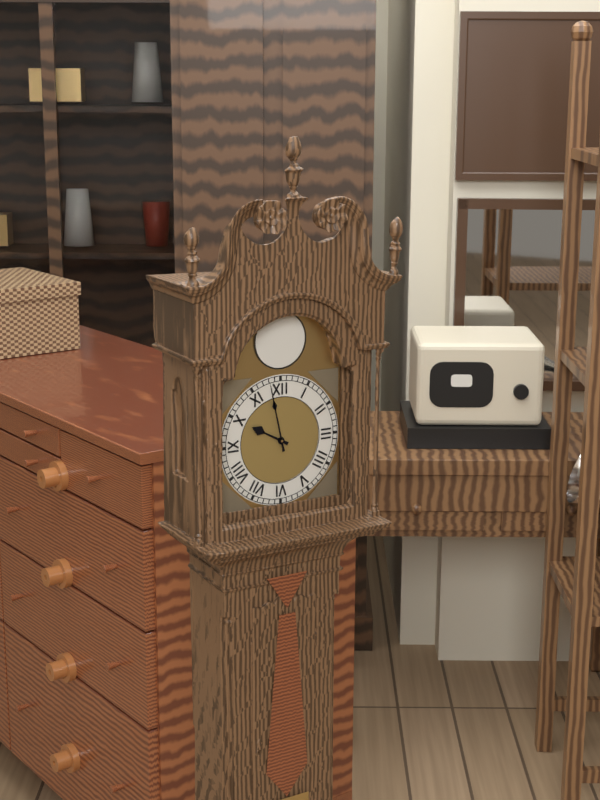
9:58
